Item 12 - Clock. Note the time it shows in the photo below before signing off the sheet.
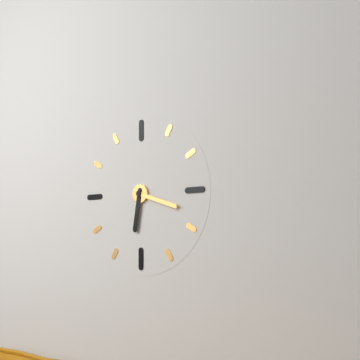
6:18
